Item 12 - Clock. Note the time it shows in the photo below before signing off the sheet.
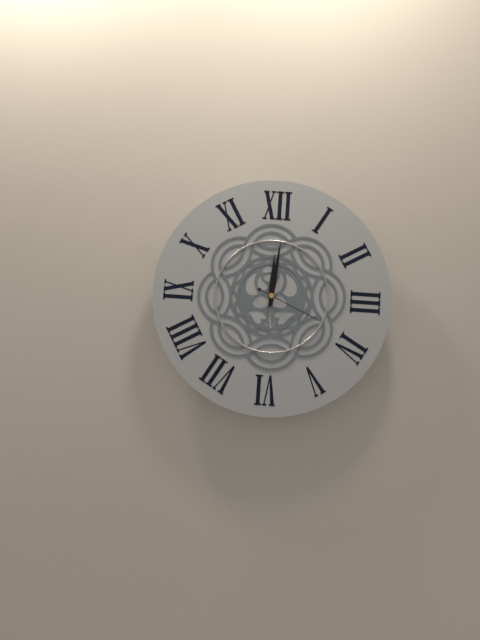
12:01:19
